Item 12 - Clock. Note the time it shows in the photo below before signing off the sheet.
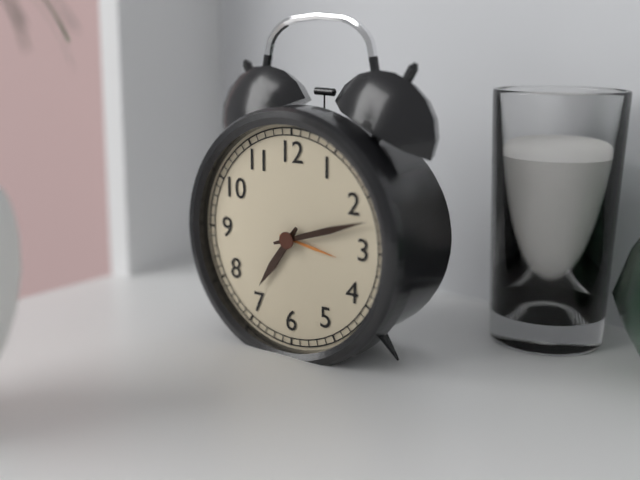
7:12
